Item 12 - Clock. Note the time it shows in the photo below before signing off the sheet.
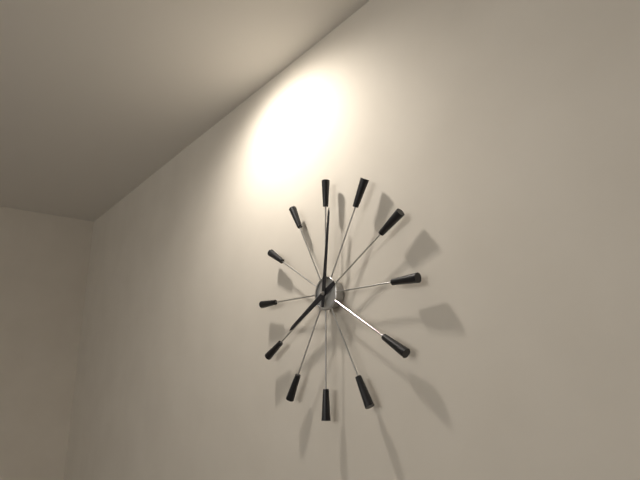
8:01
